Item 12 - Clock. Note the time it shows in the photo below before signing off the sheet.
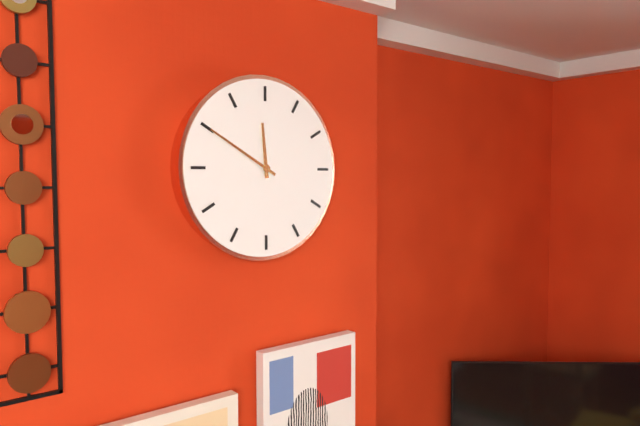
11:50
